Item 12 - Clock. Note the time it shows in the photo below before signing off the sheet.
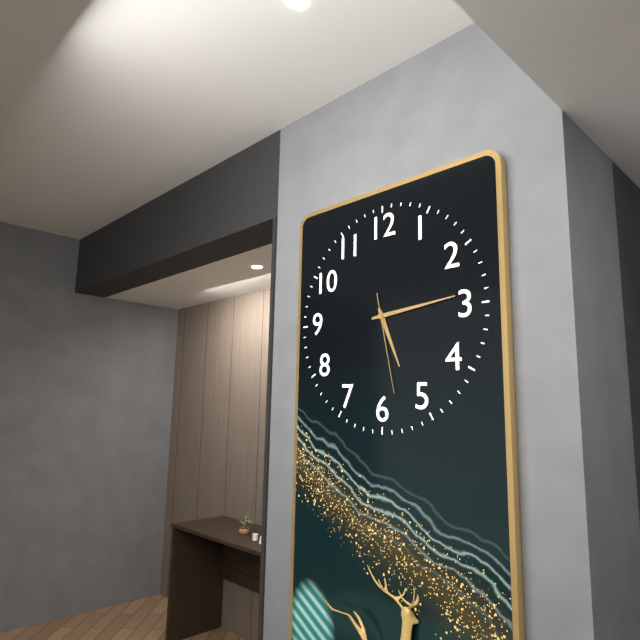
5:14:28
